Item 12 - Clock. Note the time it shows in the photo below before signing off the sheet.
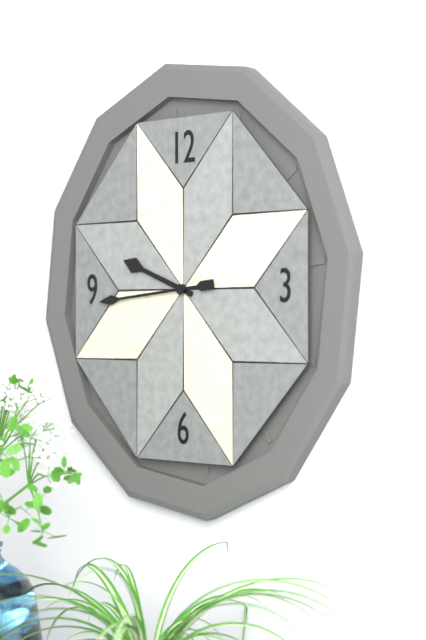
9:44
